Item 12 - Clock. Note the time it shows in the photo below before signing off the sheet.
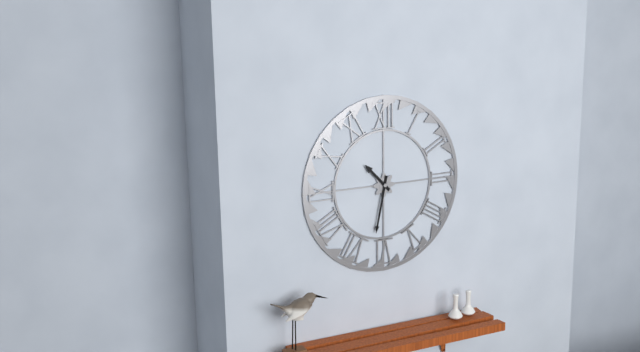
10:32
